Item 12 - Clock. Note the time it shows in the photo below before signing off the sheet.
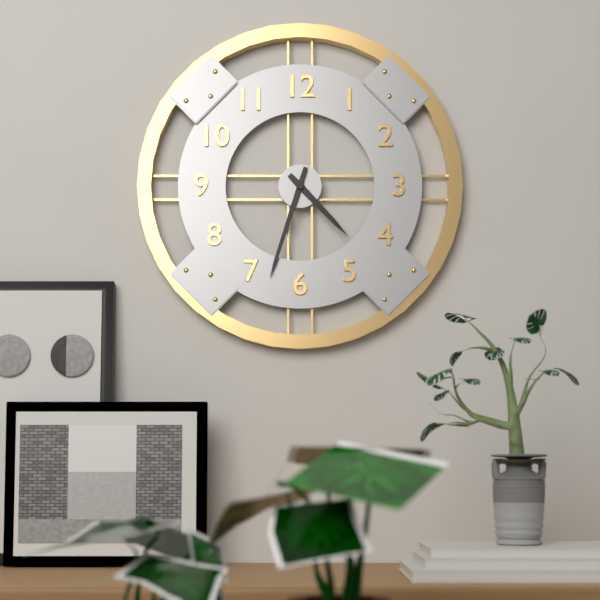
4:33
